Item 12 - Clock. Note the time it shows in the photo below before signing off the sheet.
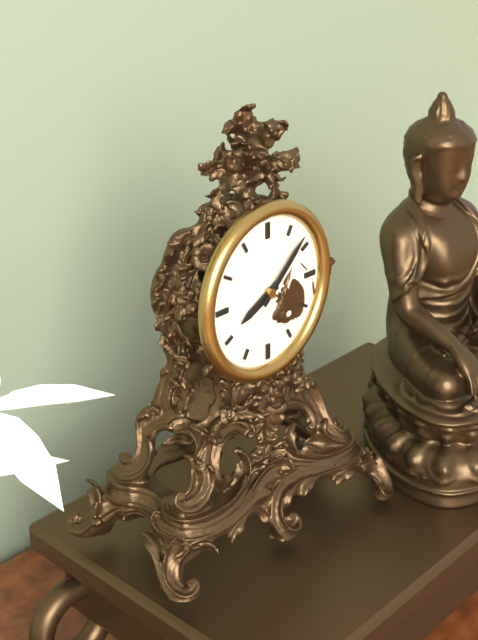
8:08
